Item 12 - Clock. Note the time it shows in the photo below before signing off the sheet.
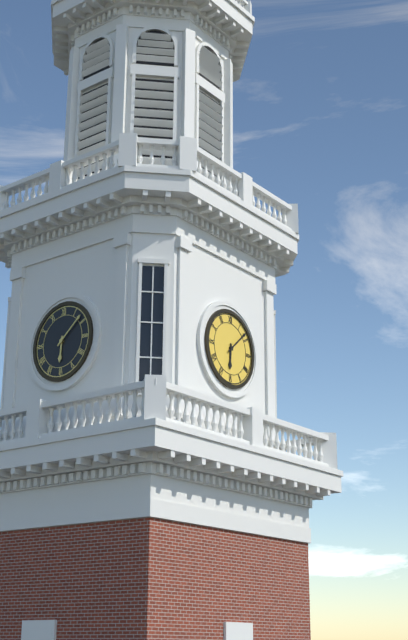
6:08
